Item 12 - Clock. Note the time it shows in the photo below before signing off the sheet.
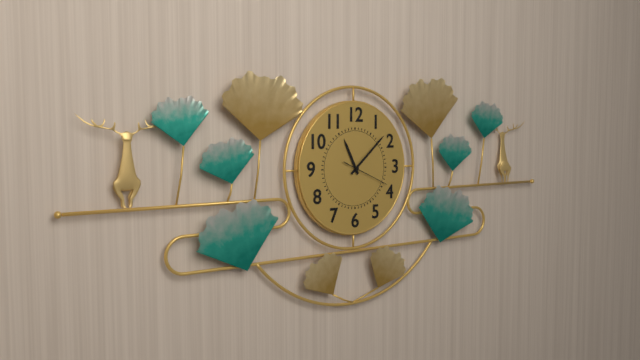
11:08
